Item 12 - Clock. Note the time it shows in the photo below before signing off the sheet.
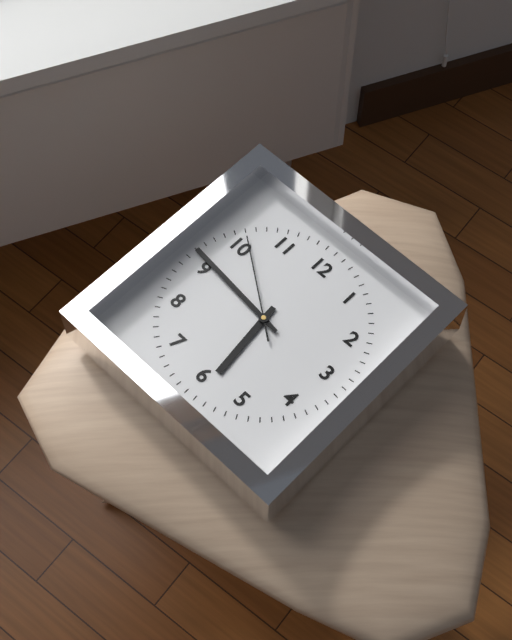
5:46:51
